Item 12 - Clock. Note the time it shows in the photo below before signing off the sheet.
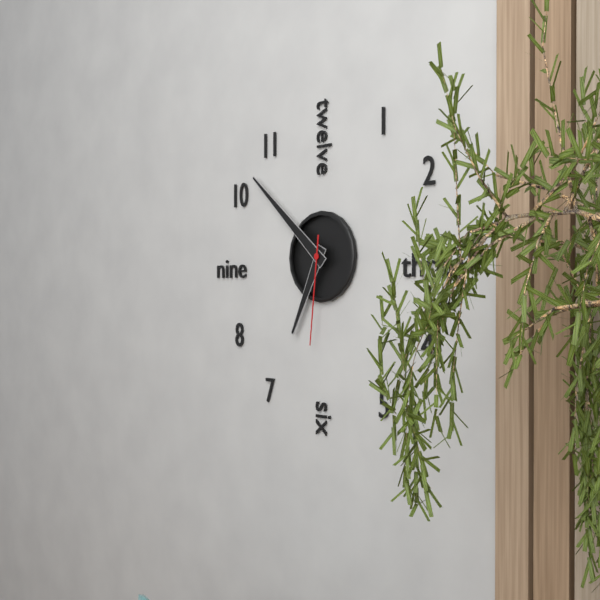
6:52:31
